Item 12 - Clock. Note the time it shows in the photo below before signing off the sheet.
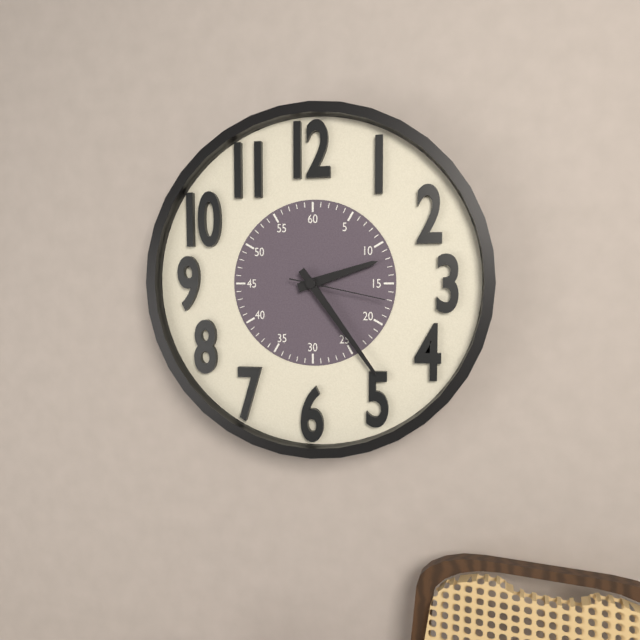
2:24:17
